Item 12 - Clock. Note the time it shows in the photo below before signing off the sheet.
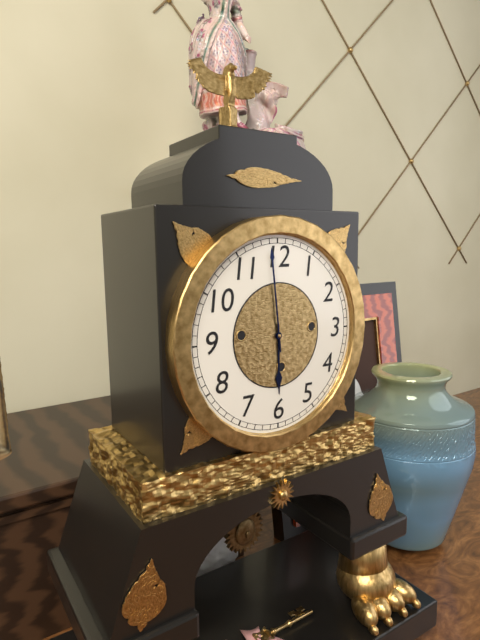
5:59
